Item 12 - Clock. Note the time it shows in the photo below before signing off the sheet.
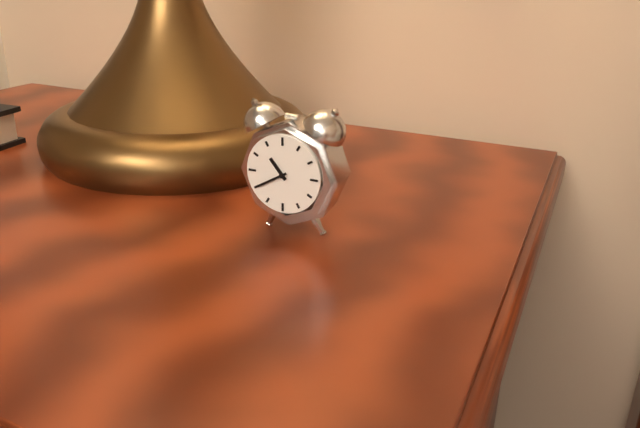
10:40
